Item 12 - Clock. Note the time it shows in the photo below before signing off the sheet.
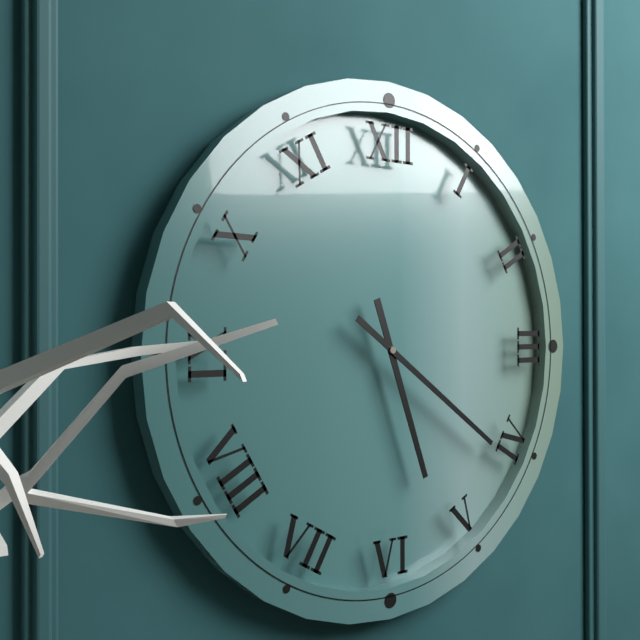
5:21
